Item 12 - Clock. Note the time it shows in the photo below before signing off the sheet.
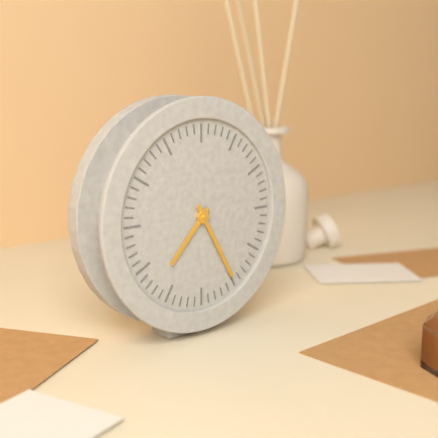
7:25
